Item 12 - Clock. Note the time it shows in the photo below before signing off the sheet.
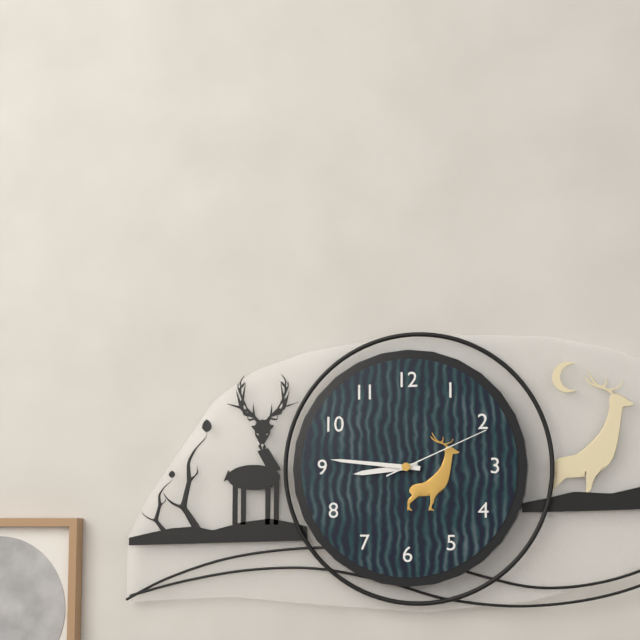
8:46:11
